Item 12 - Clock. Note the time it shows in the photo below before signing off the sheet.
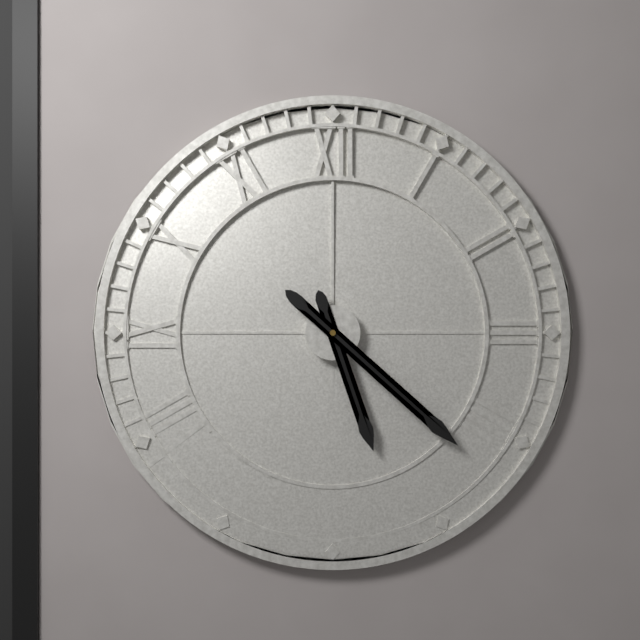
5:22
